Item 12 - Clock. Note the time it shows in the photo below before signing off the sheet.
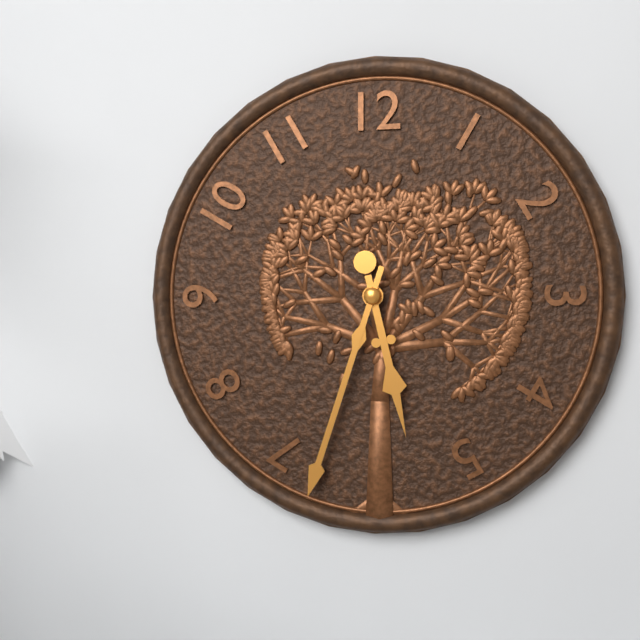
5:33
